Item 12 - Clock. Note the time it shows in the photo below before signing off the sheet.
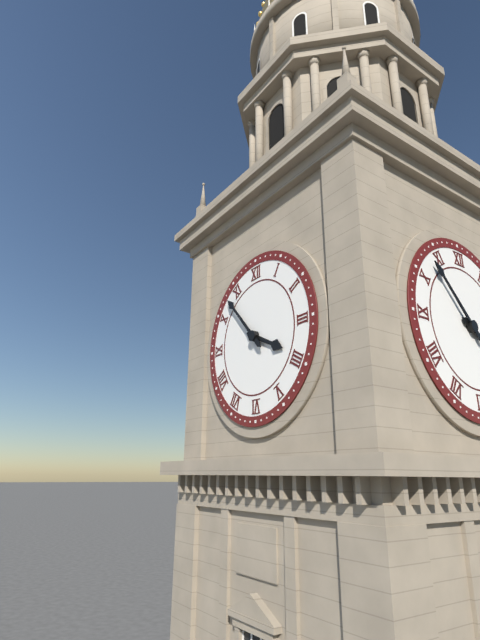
3:53
